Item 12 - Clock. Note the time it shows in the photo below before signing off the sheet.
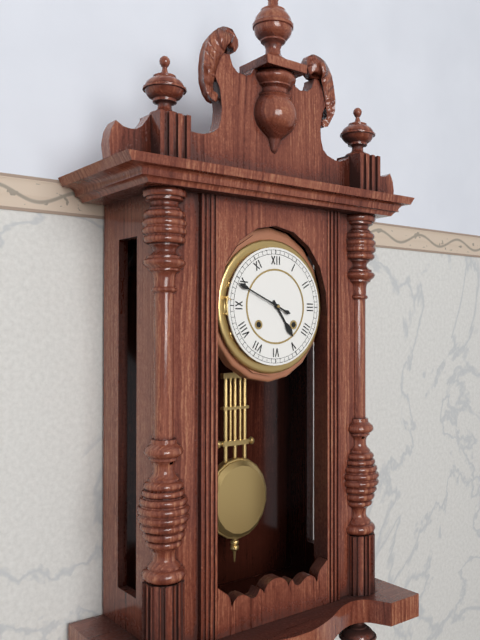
4:49
